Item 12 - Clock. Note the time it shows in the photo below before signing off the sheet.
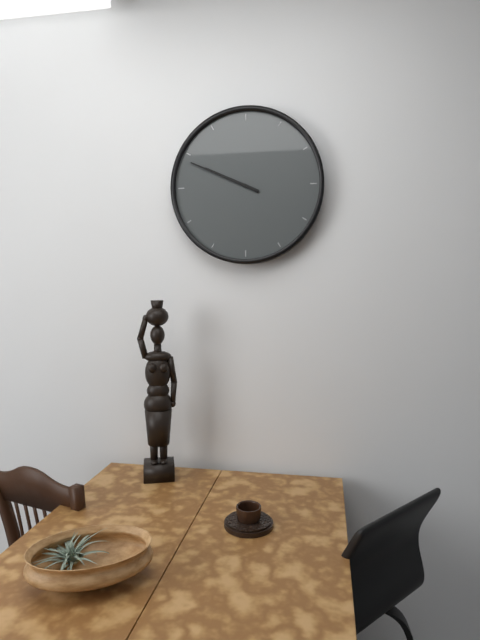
9:49
